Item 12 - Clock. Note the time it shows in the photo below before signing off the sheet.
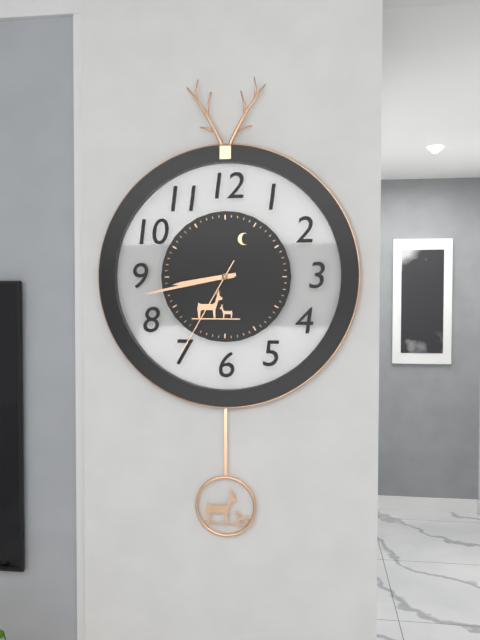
8:43:35
